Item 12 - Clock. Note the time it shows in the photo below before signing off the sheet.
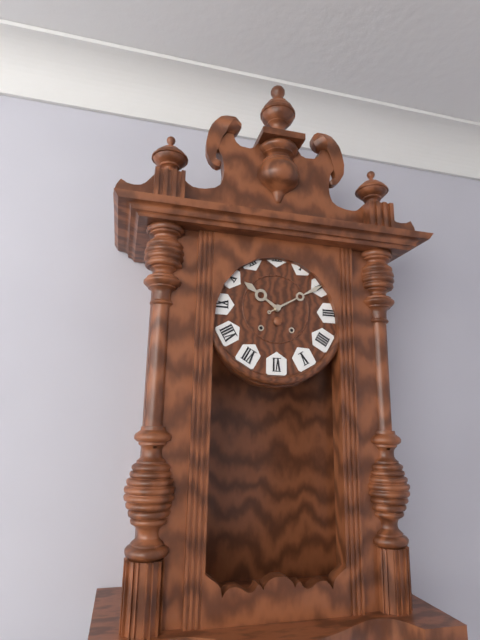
10:10
